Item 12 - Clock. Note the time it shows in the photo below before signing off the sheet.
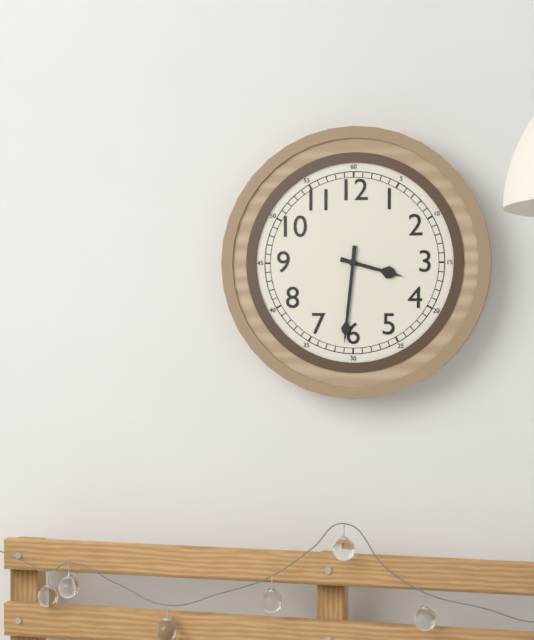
3:31
